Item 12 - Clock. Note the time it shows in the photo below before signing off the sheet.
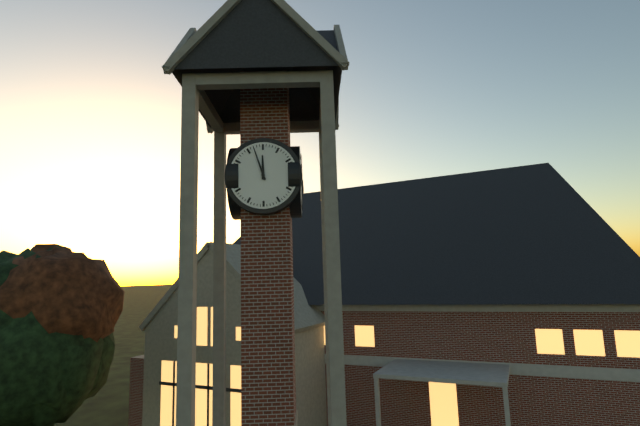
11:57
